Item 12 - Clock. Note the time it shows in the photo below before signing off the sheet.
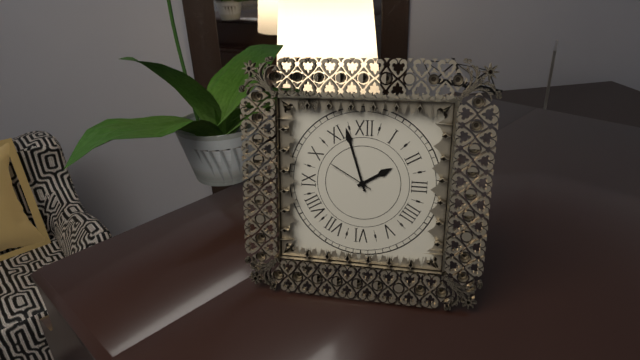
1:57
